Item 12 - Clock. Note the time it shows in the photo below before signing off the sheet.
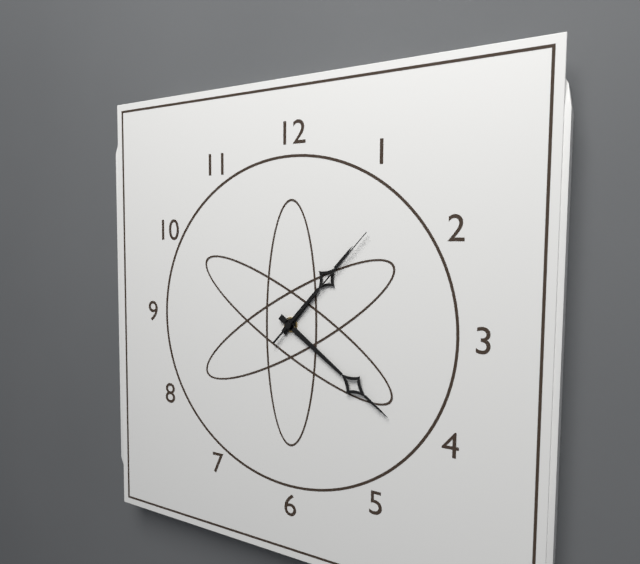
1:21:07
